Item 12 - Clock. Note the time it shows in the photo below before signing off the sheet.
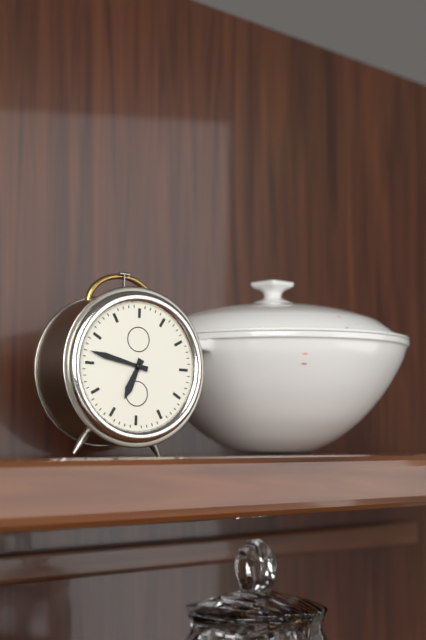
6:47
